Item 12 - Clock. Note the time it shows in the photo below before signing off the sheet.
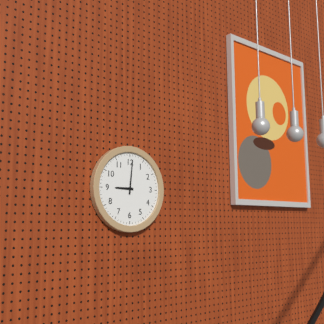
9:01
